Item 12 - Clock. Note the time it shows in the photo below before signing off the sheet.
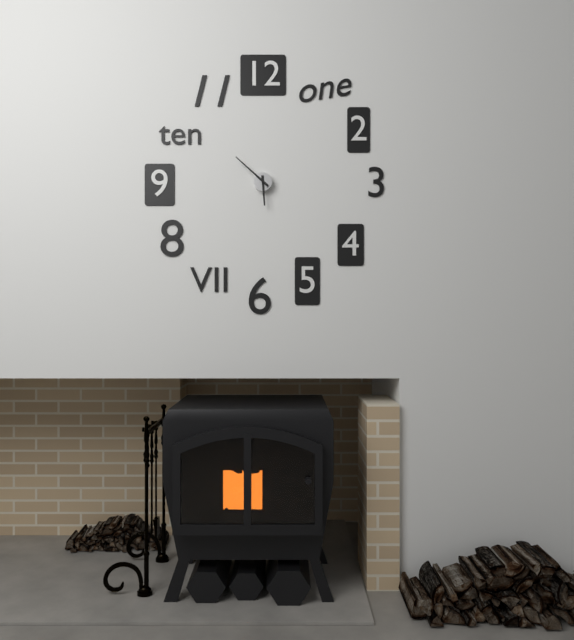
5:52
